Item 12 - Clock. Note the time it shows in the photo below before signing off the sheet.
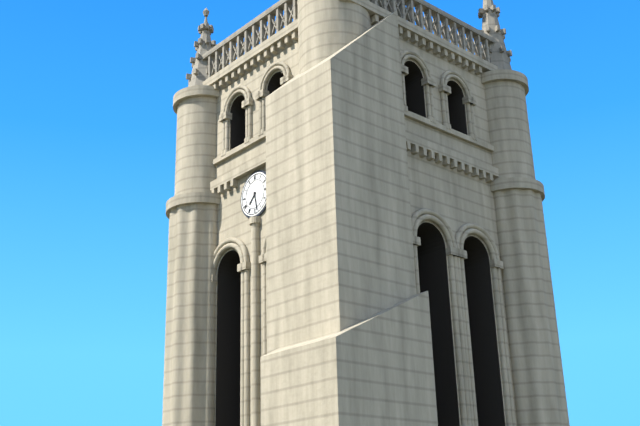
7:28
